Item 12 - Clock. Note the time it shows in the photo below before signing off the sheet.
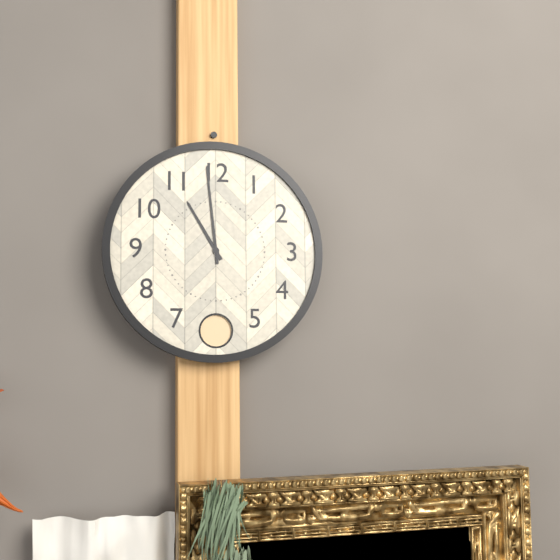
10:59
